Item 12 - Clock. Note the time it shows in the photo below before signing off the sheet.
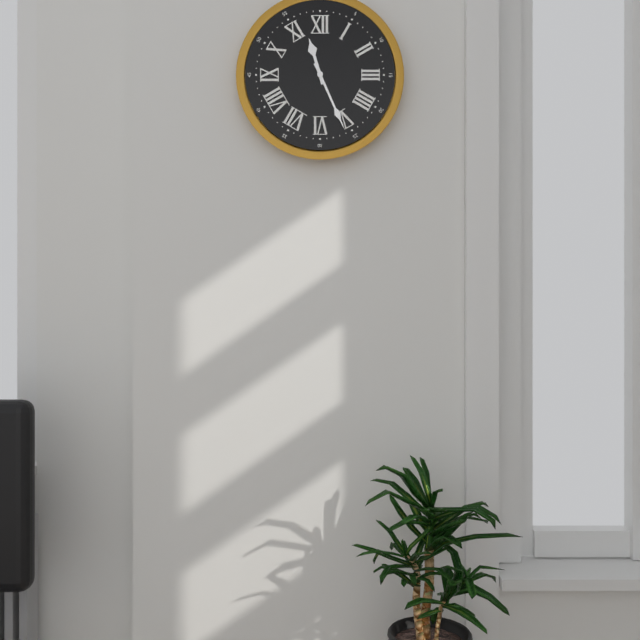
11:26
